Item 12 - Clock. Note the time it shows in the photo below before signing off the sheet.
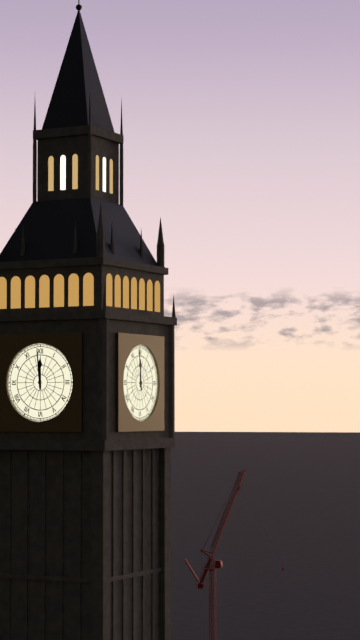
11:59
